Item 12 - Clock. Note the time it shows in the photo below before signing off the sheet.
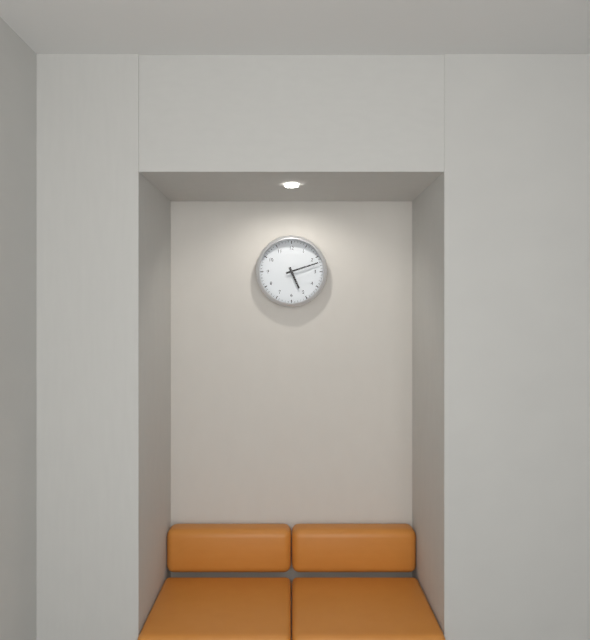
5:12
